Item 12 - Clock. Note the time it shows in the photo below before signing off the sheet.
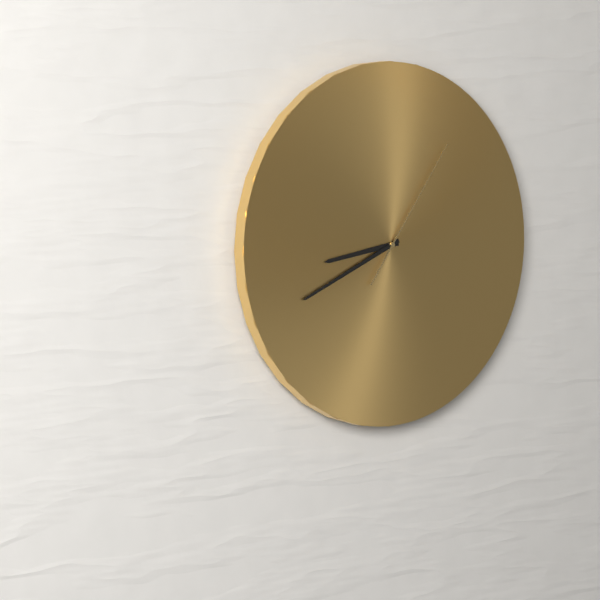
8:41:06
